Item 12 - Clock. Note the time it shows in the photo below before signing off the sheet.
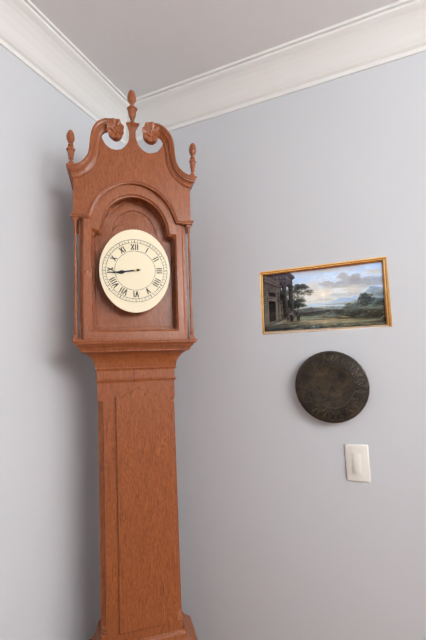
8:44
